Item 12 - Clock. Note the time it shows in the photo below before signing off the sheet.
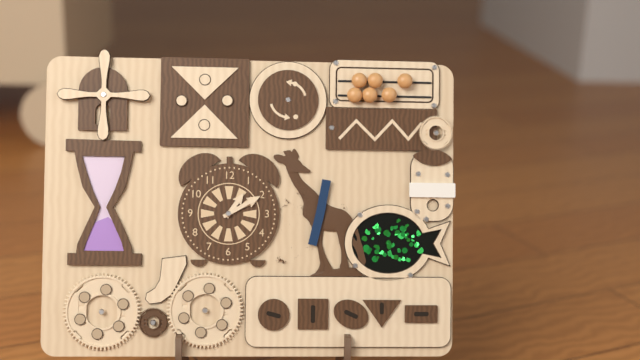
1:10
